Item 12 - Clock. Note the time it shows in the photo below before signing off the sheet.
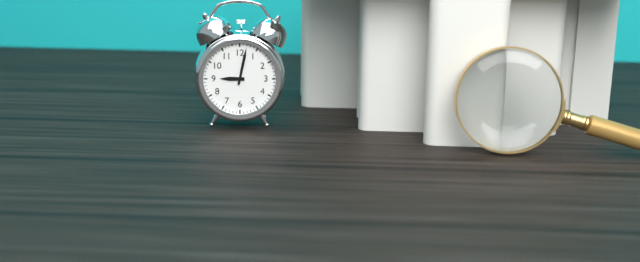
9:02
